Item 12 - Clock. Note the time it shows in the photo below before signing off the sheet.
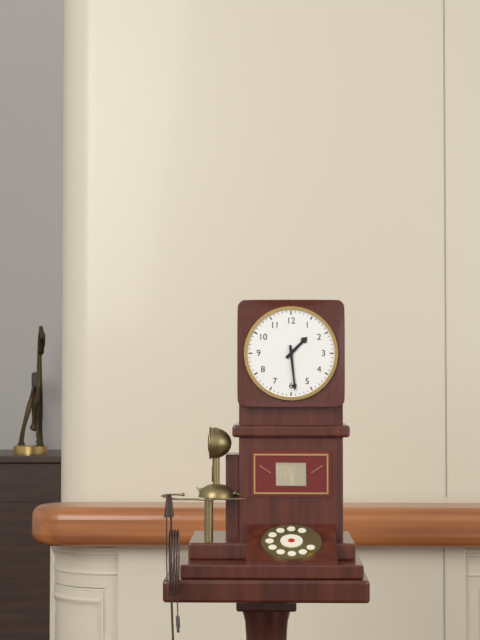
1:29
